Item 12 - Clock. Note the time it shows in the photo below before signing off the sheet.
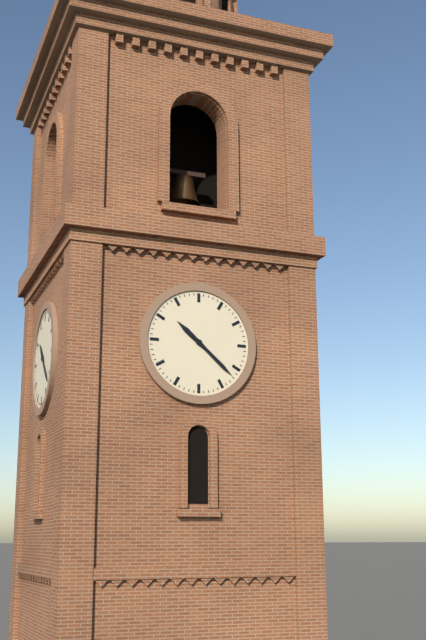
10:22
